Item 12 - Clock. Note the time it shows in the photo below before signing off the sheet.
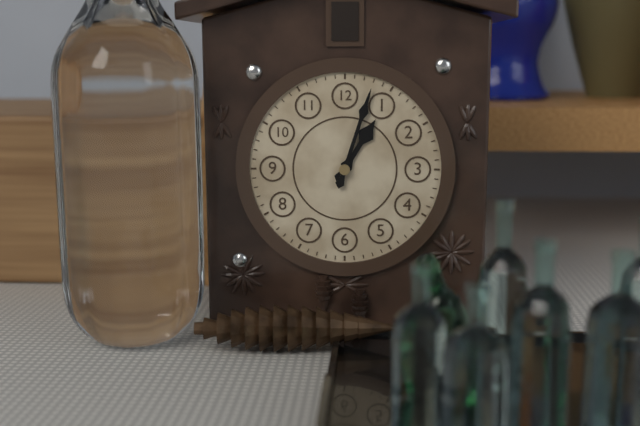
1:03
